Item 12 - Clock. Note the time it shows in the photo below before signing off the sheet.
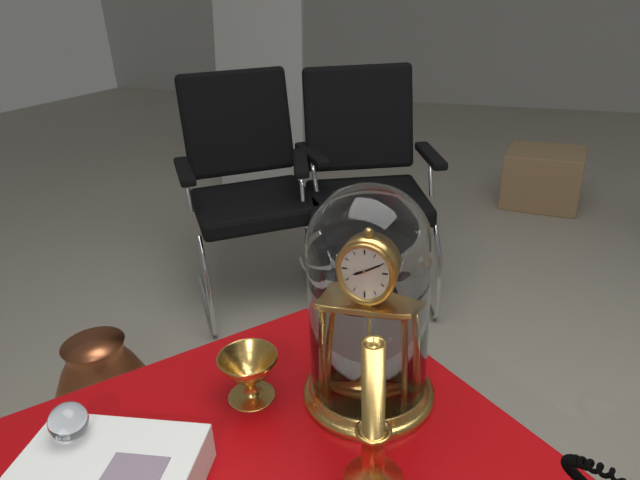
8:10
